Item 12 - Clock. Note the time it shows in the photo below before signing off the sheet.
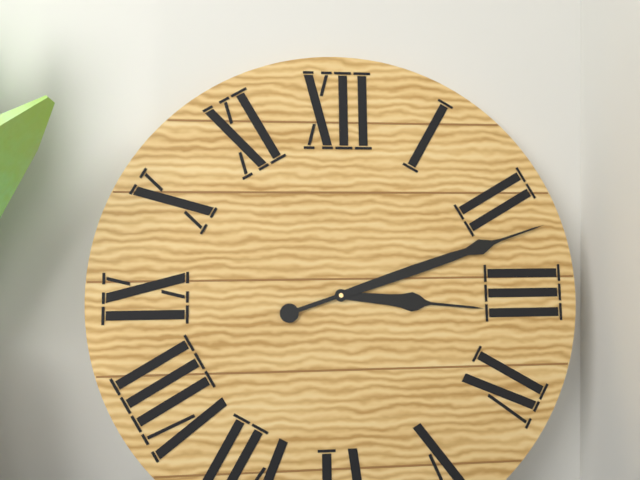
3:12
